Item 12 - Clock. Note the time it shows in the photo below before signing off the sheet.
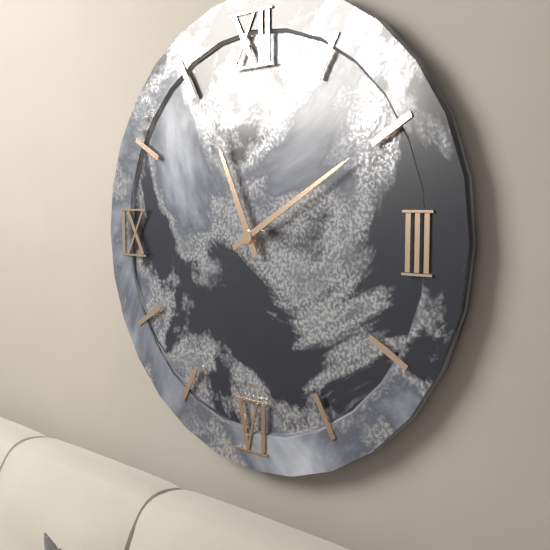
11:10
